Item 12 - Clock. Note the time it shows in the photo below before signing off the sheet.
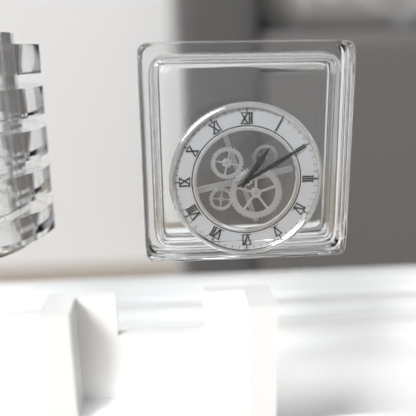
1:10
